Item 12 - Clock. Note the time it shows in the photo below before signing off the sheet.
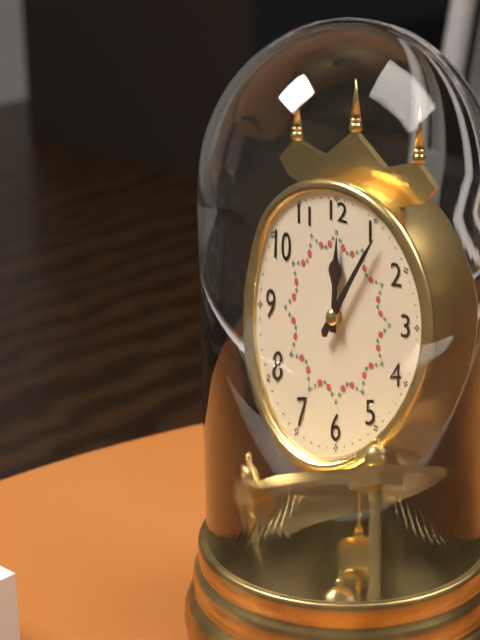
12:06
